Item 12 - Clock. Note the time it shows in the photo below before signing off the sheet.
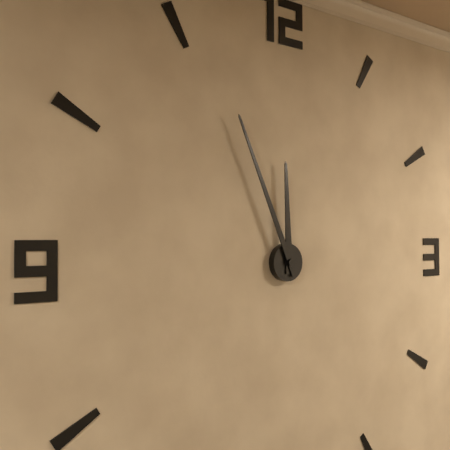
11:56
